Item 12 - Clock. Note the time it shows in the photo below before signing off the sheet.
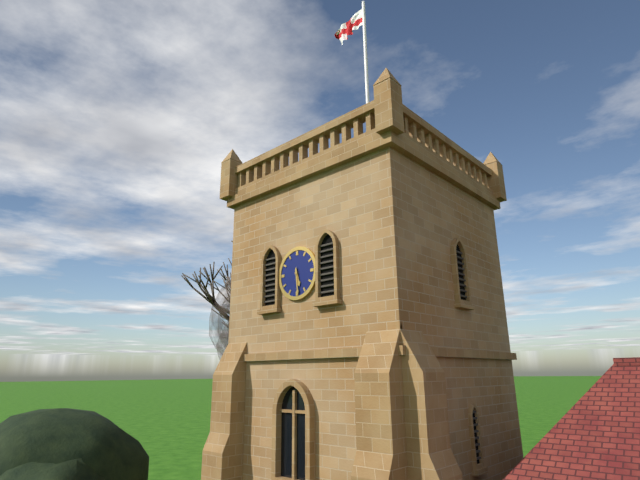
5:29
